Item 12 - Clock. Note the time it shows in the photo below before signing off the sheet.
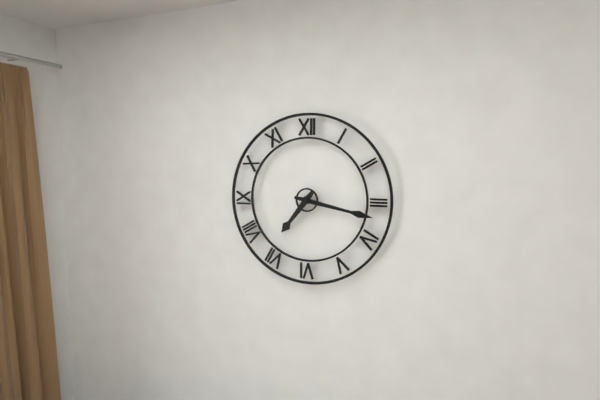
7:17
